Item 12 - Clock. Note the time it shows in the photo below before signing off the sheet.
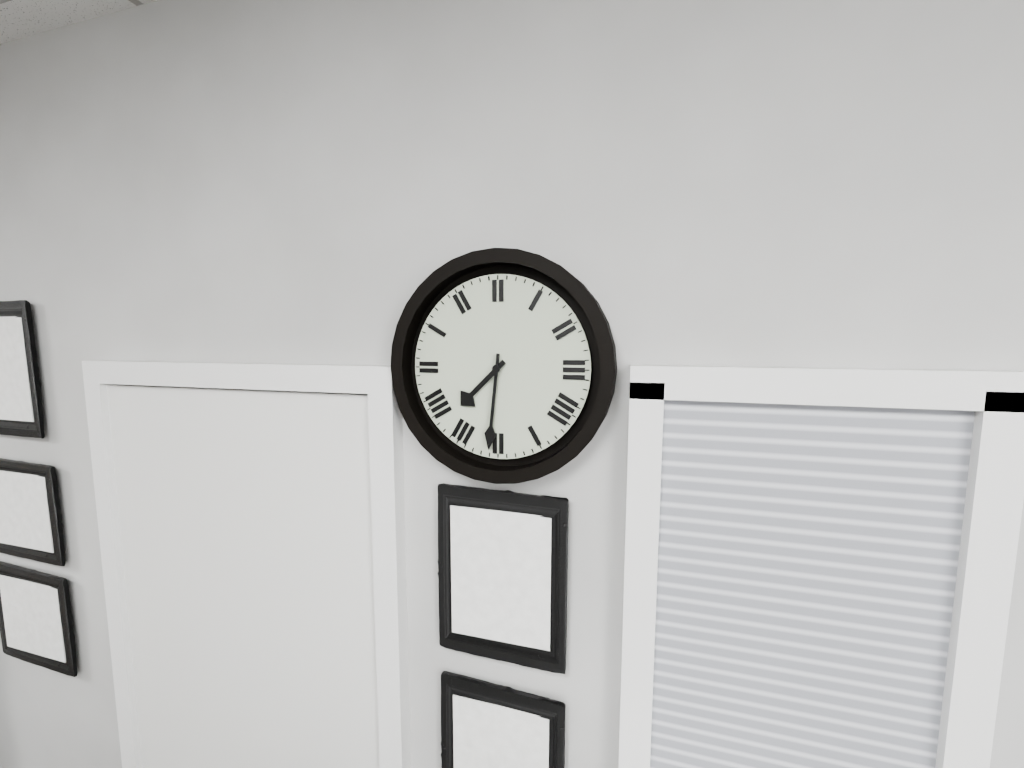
7:31
